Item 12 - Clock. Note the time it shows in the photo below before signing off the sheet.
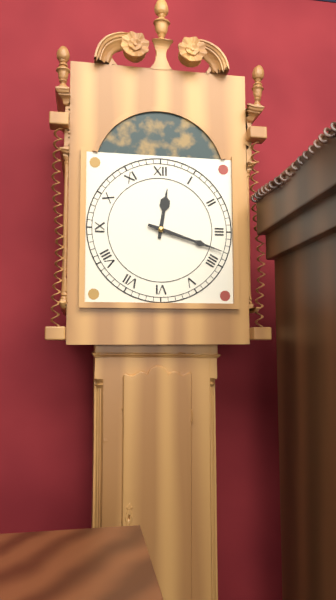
12:18
